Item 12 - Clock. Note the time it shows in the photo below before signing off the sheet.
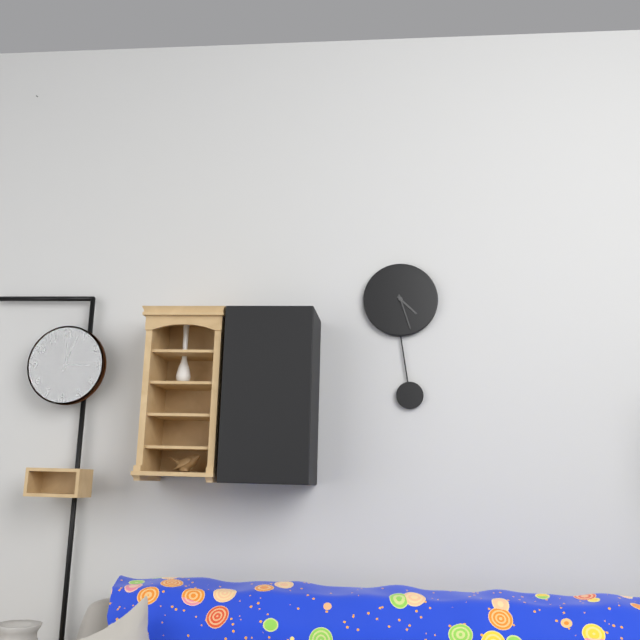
4:27
